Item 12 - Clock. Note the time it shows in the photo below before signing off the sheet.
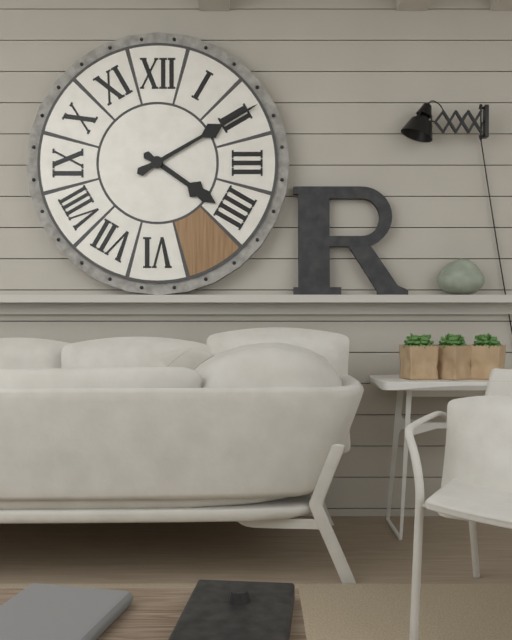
4:10
